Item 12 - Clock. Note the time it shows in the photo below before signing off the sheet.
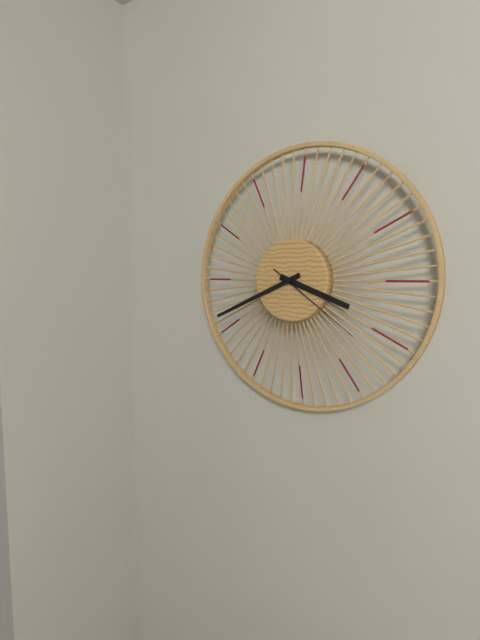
3:41:21
